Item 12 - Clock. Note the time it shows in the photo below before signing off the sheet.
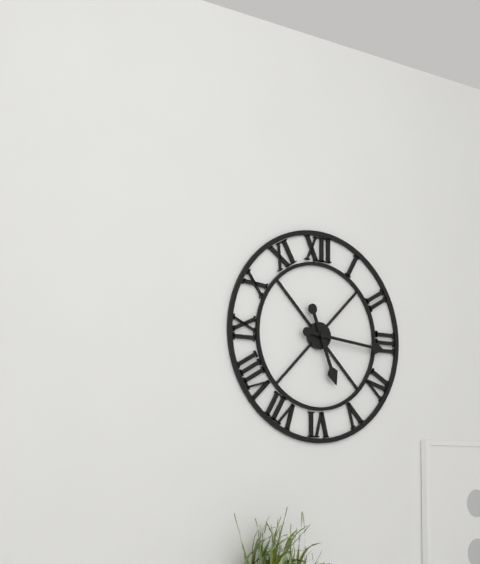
5:16
